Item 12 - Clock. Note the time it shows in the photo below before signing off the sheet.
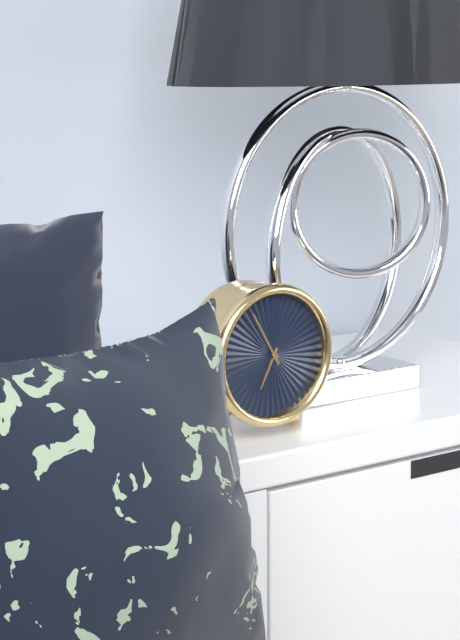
6:55
